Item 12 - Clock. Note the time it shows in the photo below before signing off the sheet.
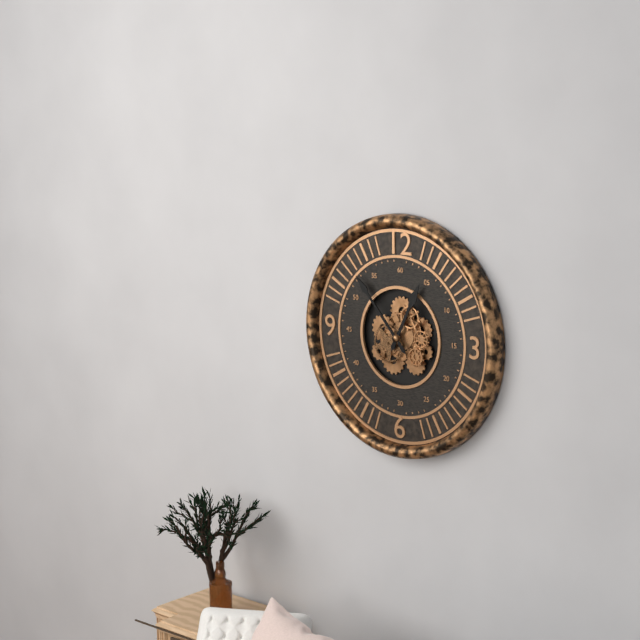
12:53
